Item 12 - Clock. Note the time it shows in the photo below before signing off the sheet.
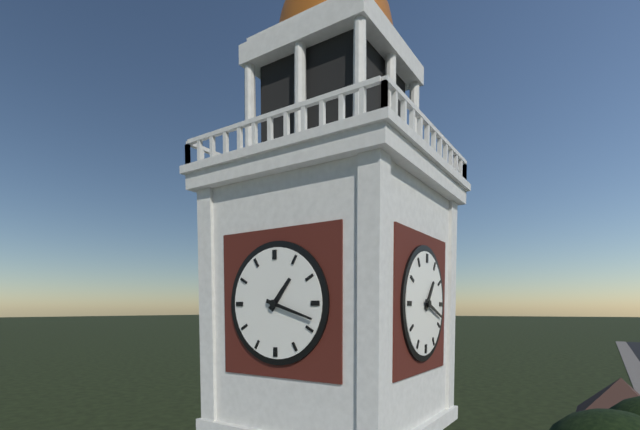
1:18
